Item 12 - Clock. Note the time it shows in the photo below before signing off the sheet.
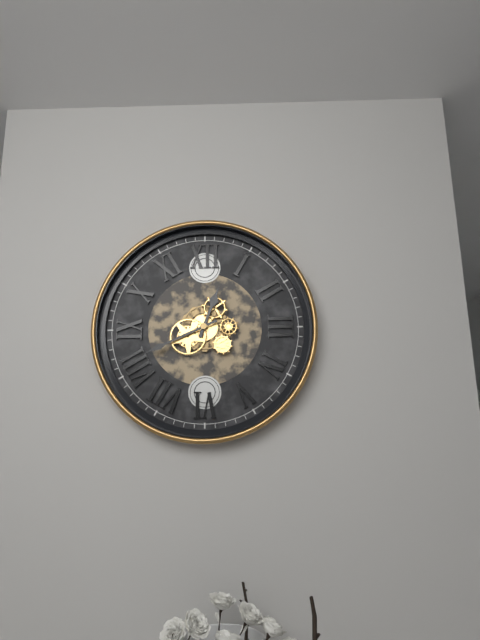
12:41
